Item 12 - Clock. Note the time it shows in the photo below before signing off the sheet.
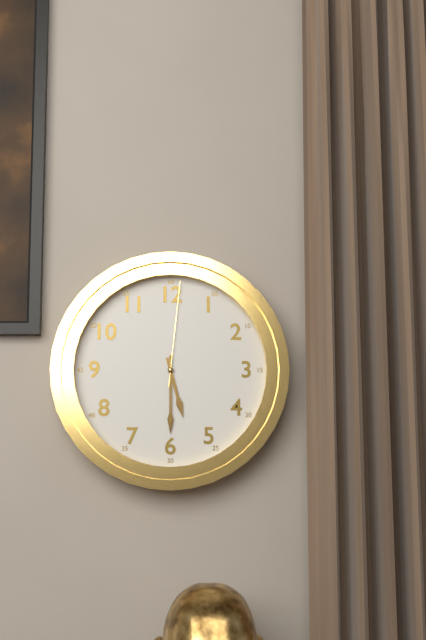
5:30:01
